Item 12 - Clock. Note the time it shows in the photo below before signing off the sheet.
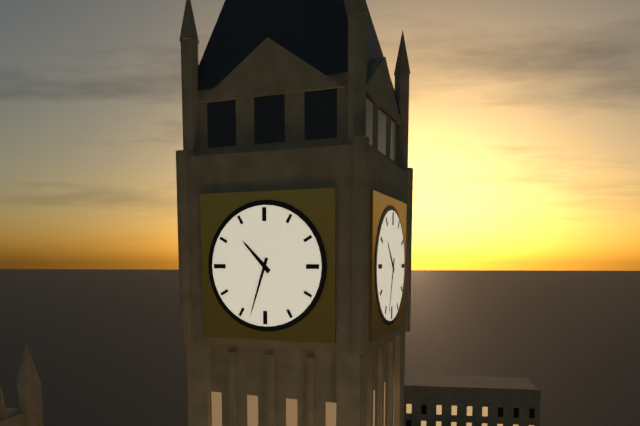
10:33
